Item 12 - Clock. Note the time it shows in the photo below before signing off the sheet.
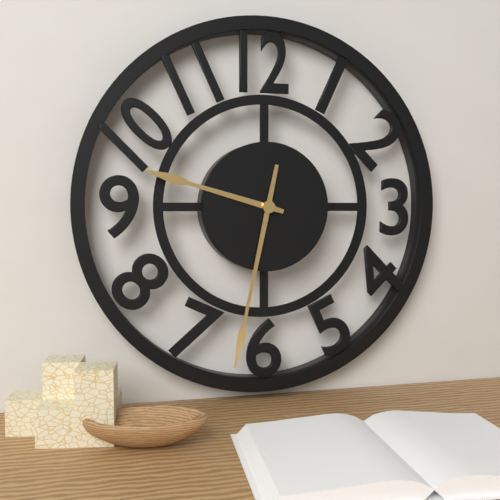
9:32
